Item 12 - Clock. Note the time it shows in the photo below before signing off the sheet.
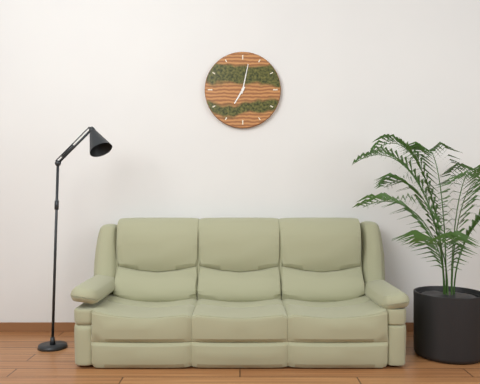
7:02
